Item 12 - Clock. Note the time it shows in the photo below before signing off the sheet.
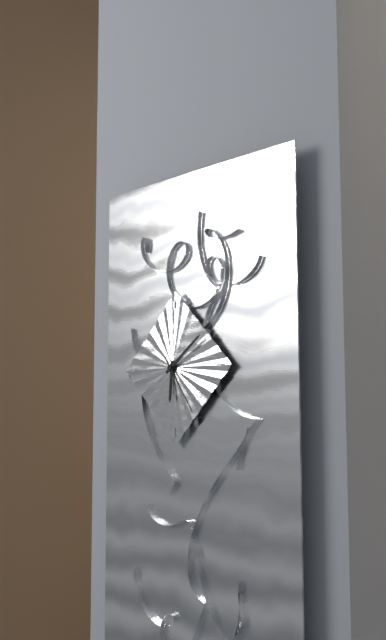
6:09:24
